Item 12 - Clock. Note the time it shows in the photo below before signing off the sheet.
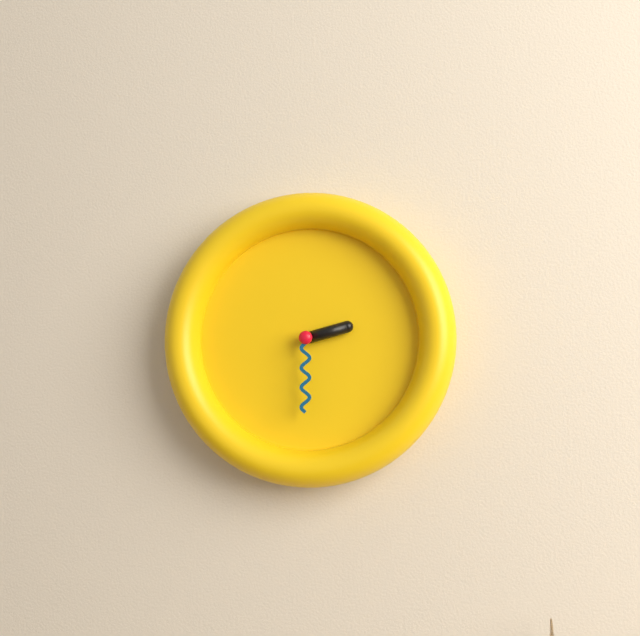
2:30
